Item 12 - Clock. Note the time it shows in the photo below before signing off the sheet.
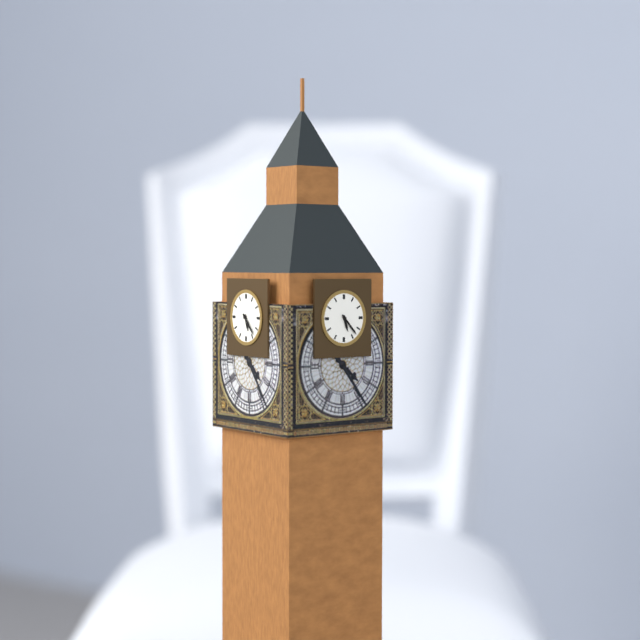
5:23
